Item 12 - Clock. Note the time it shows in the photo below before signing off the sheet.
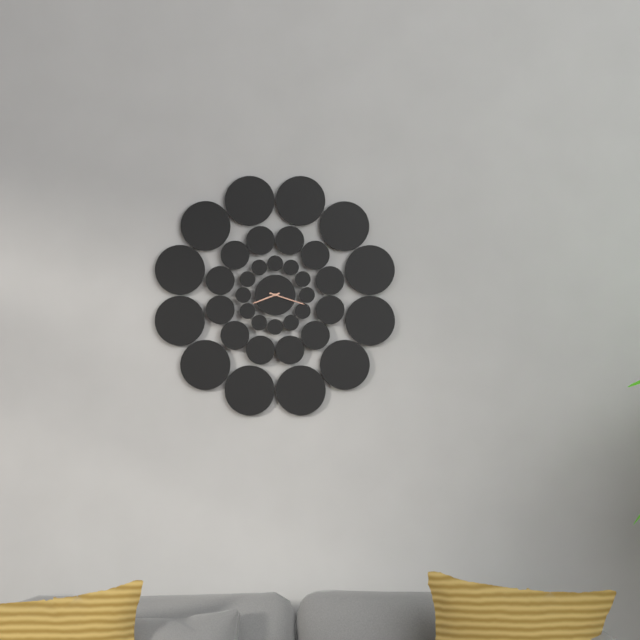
8:18
